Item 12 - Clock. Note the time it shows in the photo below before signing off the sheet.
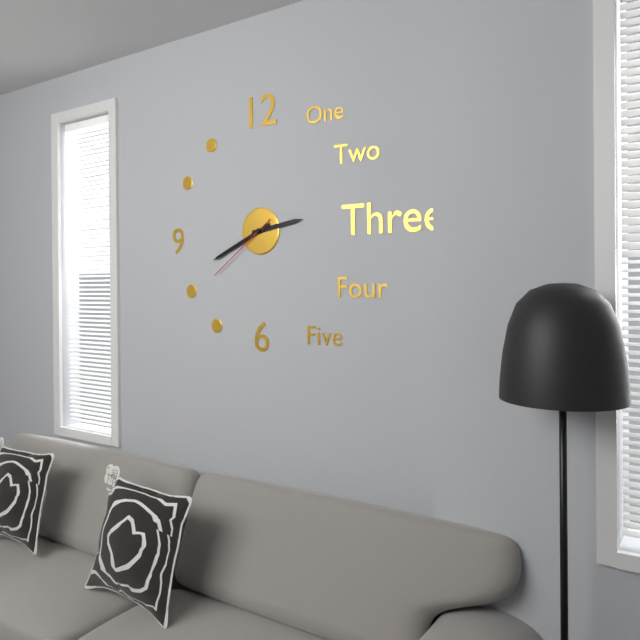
2:41:39
